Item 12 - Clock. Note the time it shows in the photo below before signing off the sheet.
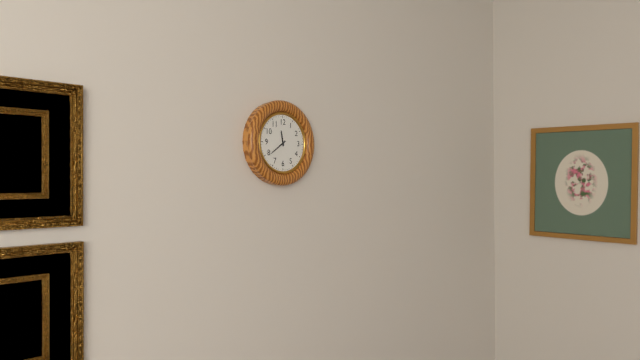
11:39
